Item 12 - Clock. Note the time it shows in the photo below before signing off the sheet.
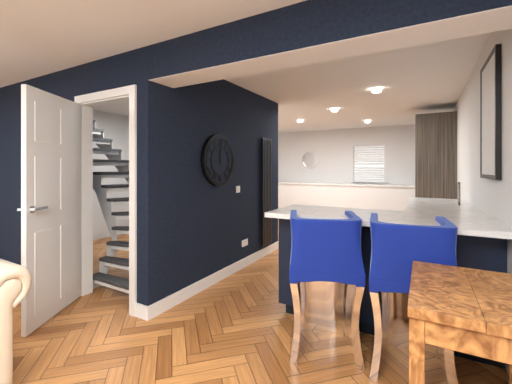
12:01
